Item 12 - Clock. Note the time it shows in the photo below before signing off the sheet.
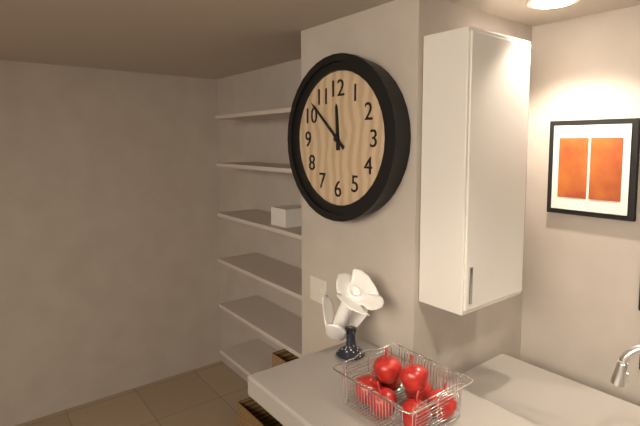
11:52
